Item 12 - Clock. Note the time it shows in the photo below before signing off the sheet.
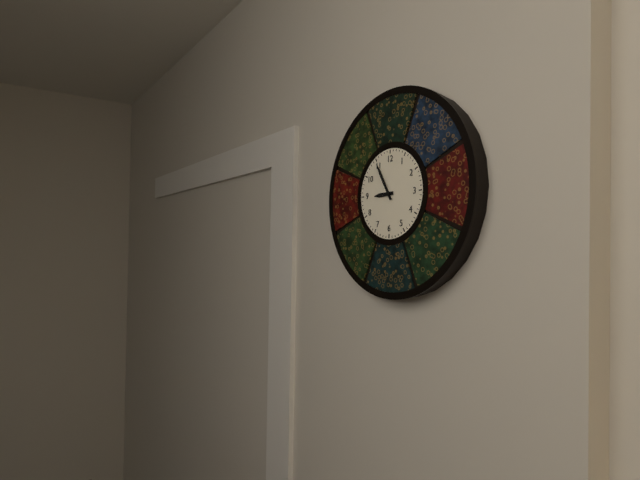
8:55
